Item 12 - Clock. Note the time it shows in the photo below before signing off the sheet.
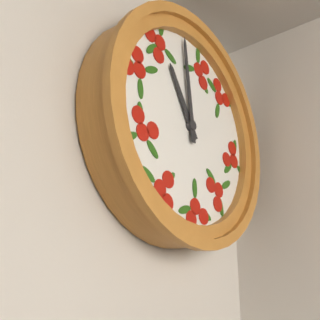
10:59
